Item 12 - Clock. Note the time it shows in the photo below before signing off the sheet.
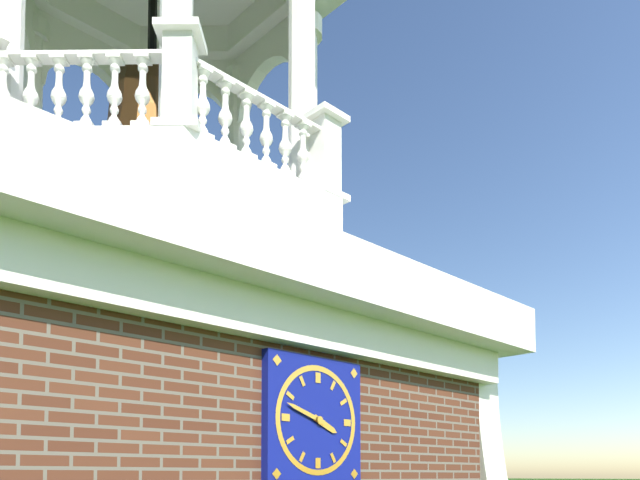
3:48
